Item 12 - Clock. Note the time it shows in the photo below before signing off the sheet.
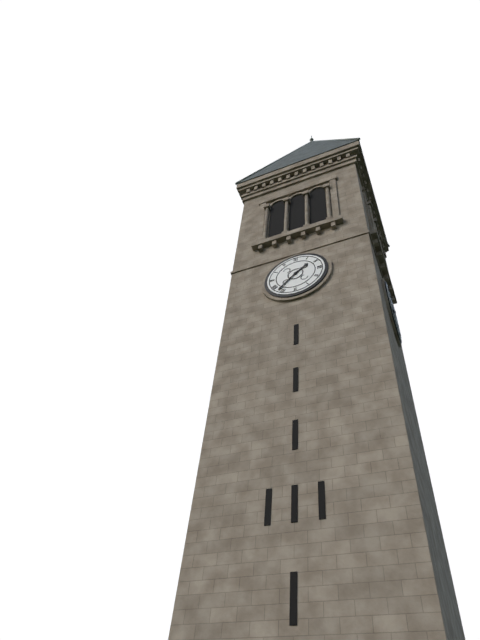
1:37
